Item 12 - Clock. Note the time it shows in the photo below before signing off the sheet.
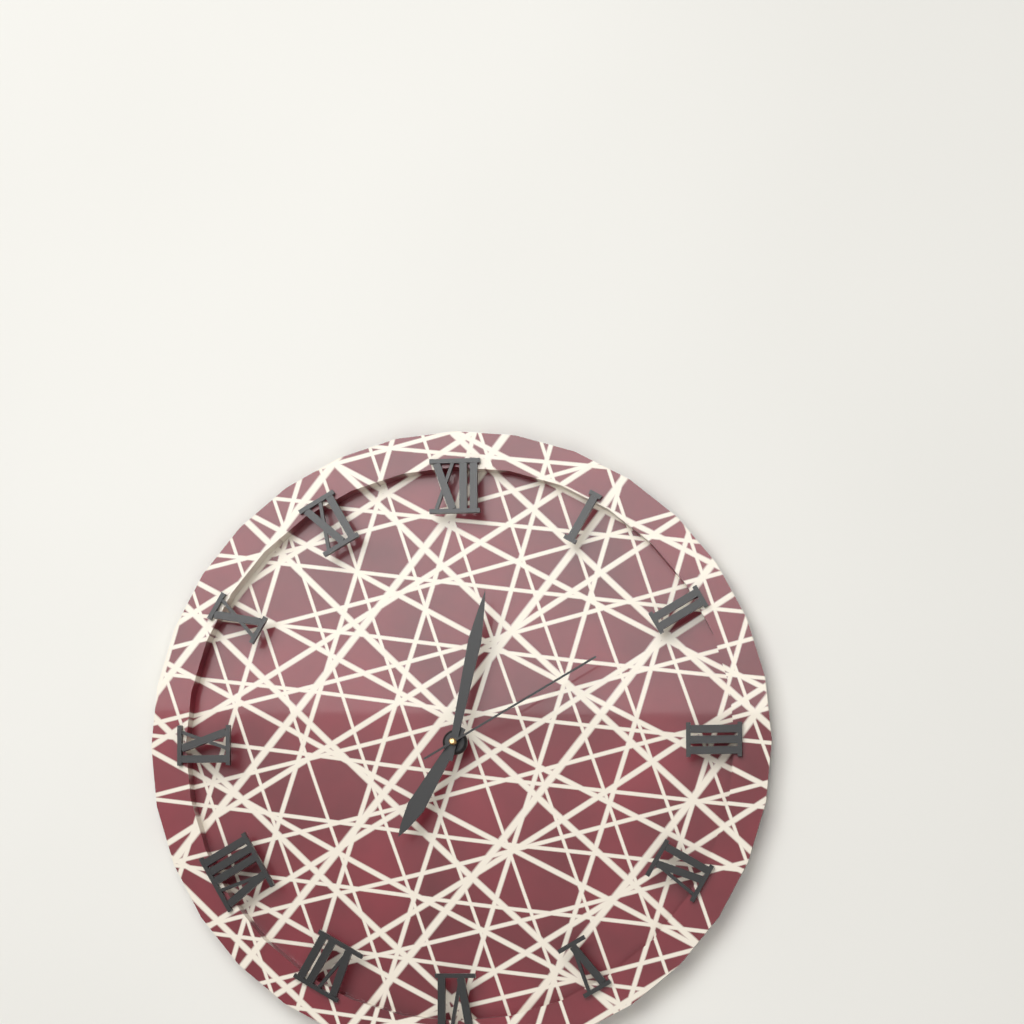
7:02:10
